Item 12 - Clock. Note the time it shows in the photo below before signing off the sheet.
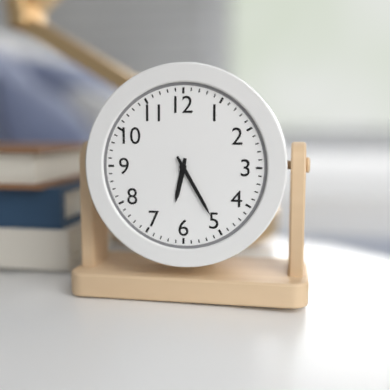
6:25
